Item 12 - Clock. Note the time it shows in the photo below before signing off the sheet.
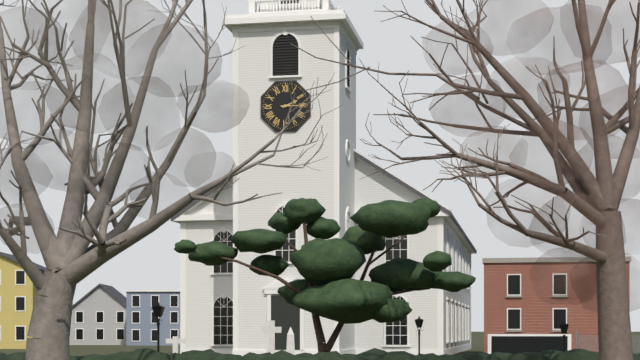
2:15
